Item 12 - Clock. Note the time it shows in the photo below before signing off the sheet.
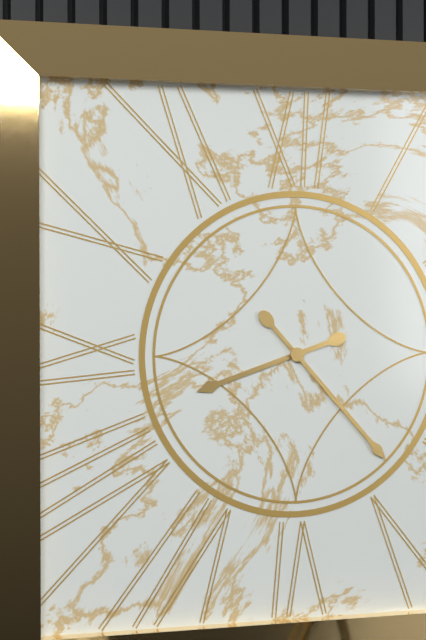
8:23
